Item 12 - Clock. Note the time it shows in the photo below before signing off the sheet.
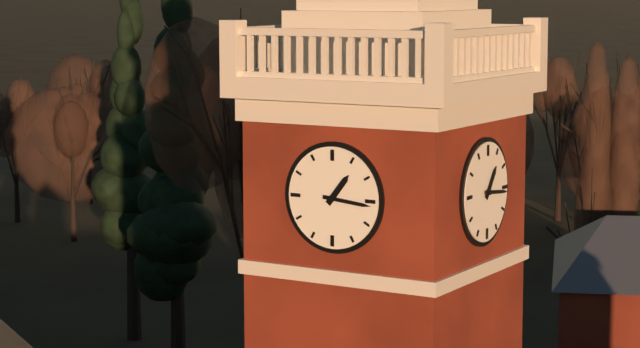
1:16
